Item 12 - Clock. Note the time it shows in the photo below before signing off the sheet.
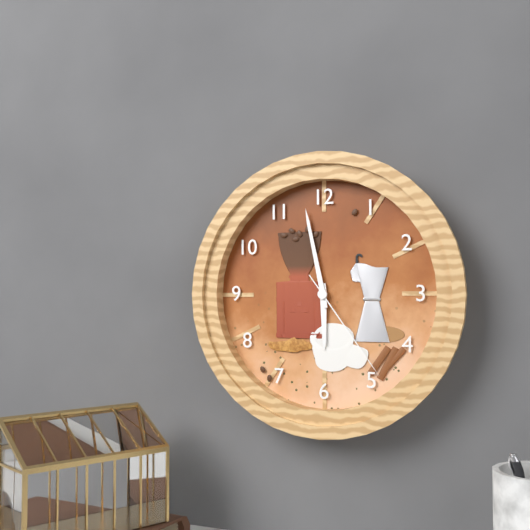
5:58:24
